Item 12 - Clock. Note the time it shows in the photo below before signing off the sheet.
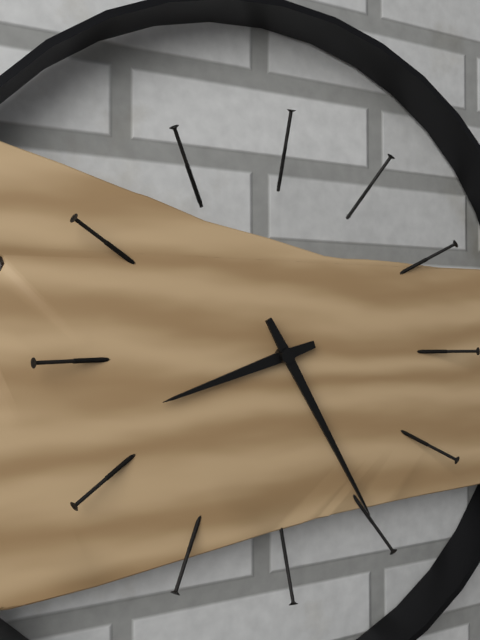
8:25
